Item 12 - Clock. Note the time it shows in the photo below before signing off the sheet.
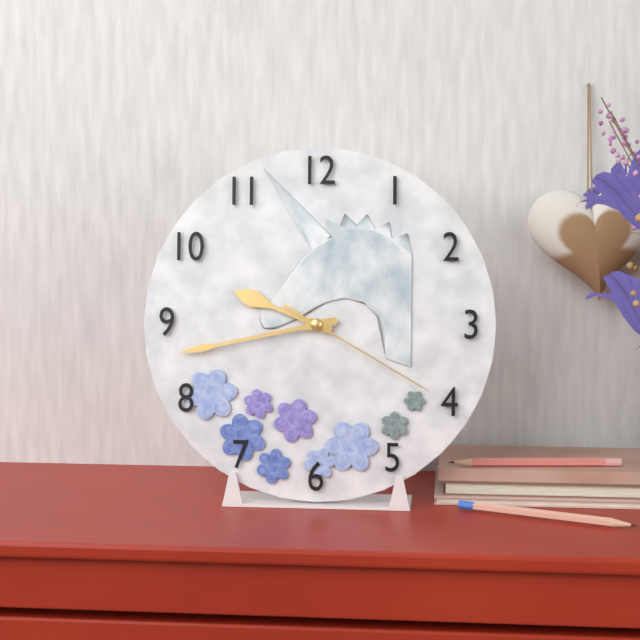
9:43:20
